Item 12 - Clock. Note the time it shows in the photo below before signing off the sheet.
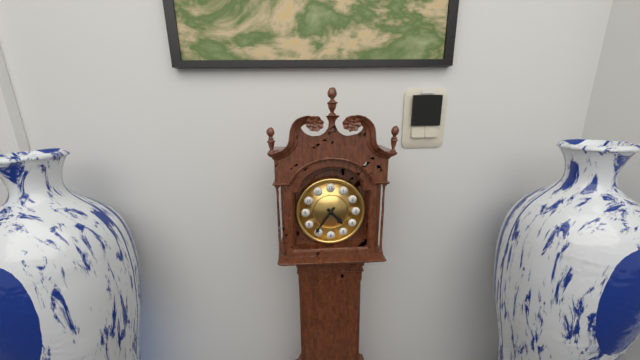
4:36
